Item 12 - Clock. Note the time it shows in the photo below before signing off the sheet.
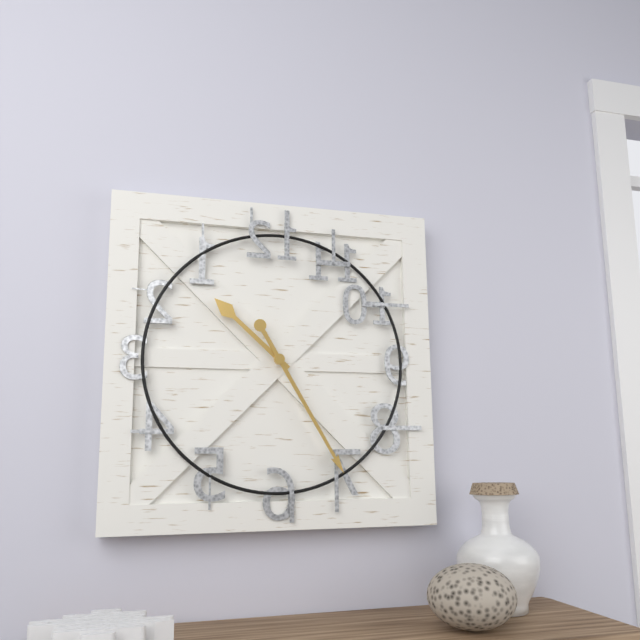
10:25
